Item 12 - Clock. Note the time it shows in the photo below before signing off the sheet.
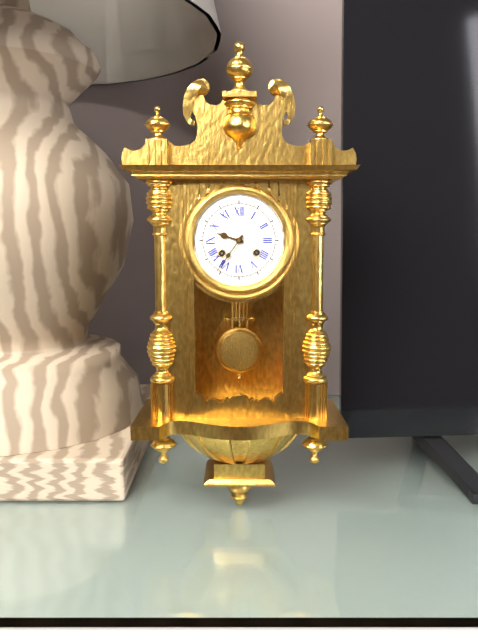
9:36
